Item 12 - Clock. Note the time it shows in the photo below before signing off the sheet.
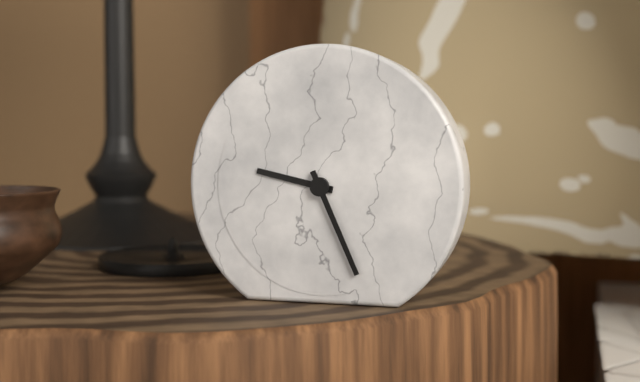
9:26
